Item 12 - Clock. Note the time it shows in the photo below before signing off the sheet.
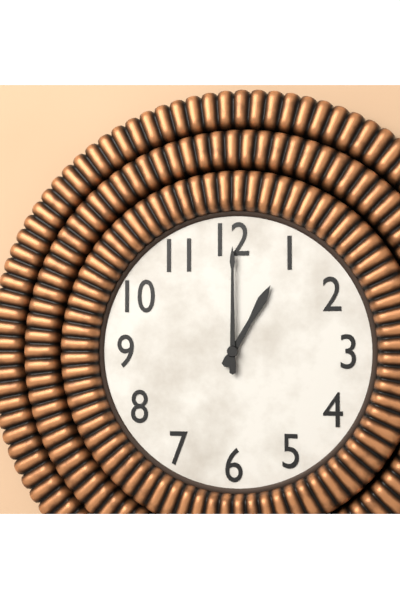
1:00
